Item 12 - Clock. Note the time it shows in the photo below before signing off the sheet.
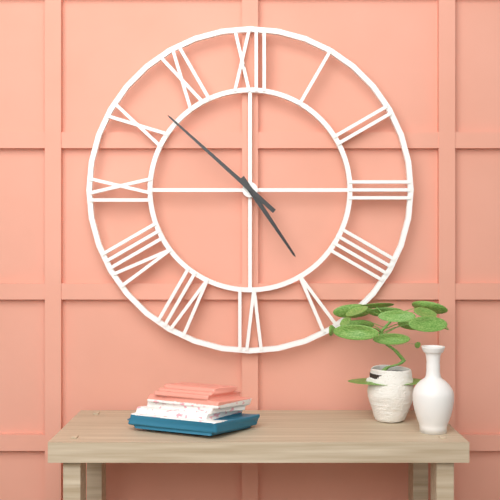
4:52
